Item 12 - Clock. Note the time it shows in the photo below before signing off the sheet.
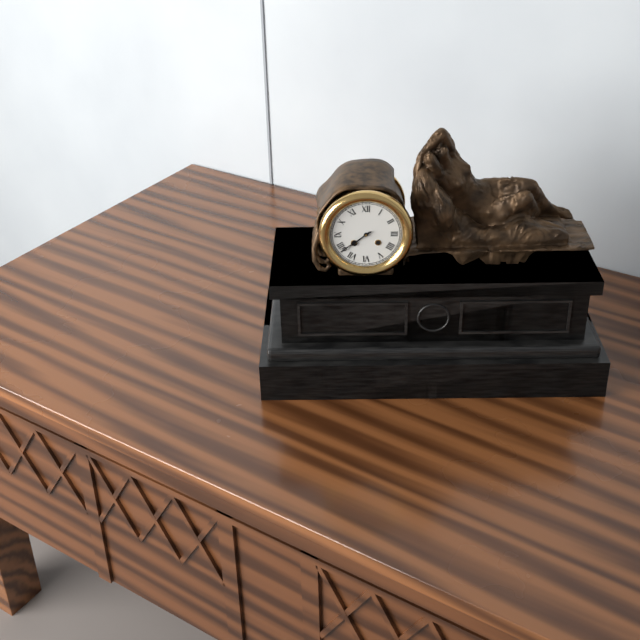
7:39
